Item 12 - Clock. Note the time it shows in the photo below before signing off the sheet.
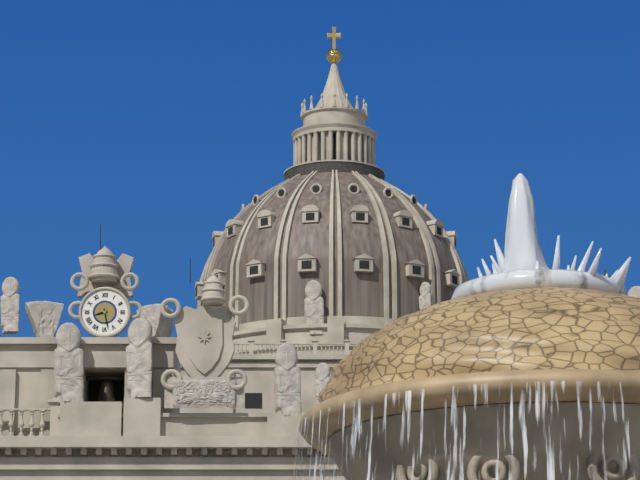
8:28
